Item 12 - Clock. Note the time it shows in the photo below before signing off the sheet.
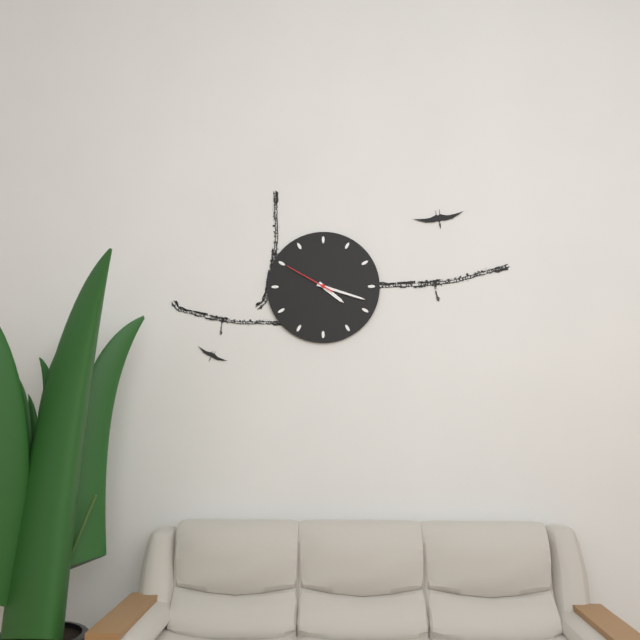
4:18:50
